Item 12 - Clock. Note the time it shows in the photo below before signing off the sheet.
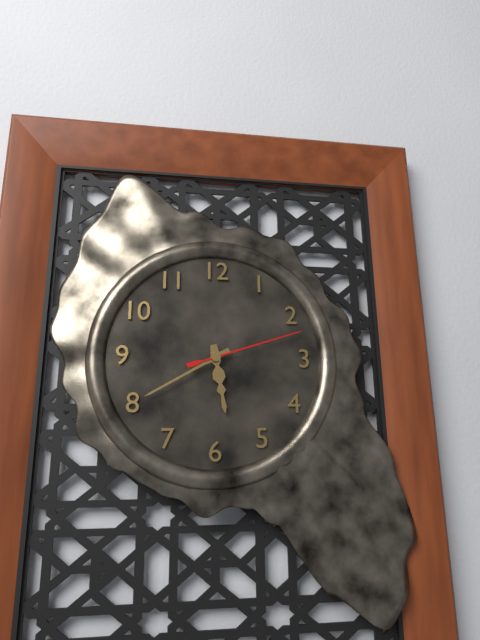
5:40:12
